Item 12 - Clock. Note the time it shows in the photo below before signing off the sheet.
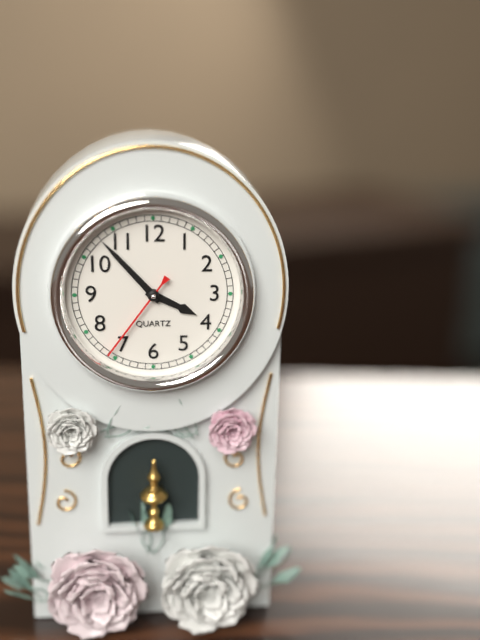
3:53:36
